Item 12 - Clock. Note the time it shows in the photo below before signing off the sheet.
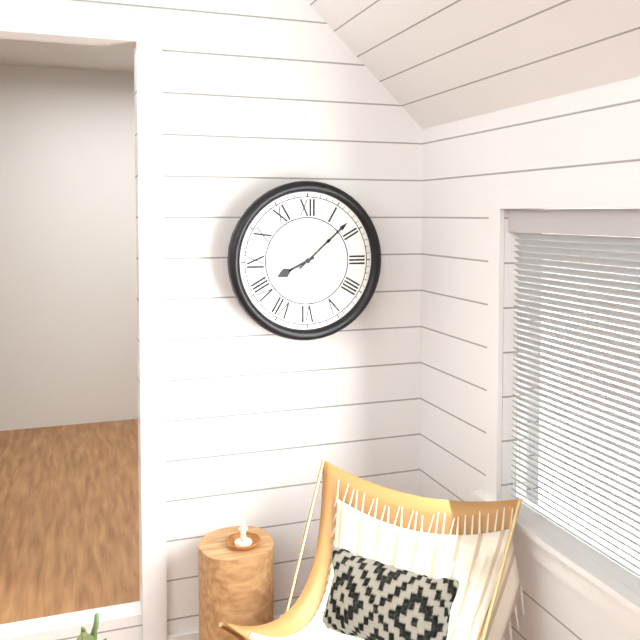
8:08
